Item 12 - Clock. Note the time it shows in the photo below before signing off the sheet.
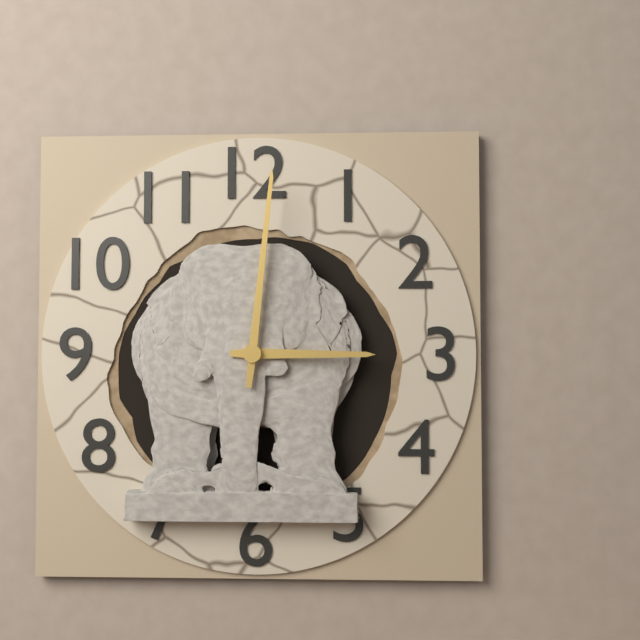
3:01
